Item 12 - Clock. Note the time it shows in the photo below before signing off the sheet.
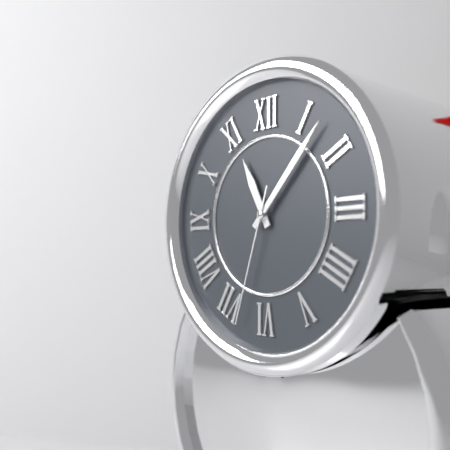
11:07:33
